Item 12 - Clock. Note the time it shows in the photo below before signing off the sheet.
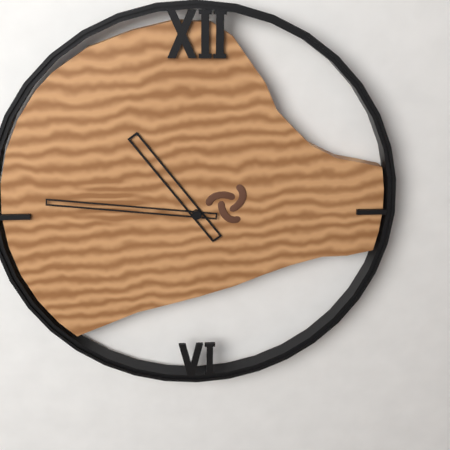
10:46
